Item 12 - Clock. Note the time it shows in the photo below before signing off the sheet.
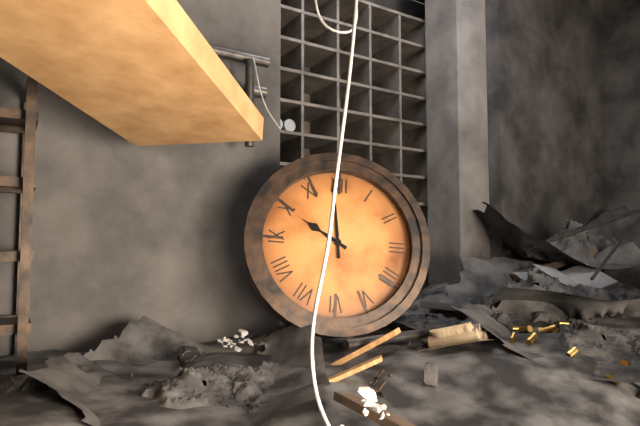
9:59
